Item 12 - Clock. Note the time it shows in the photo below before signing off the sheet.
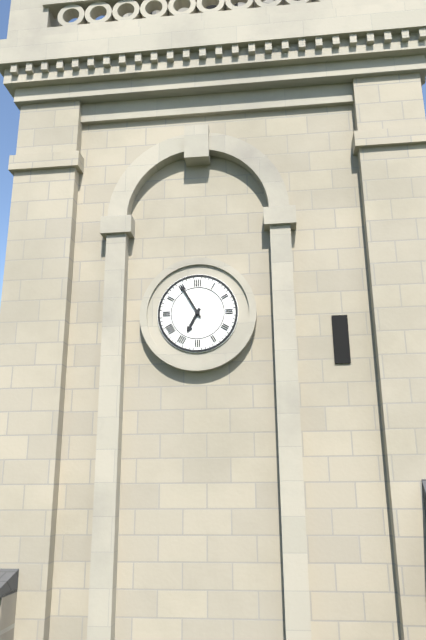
6:55
